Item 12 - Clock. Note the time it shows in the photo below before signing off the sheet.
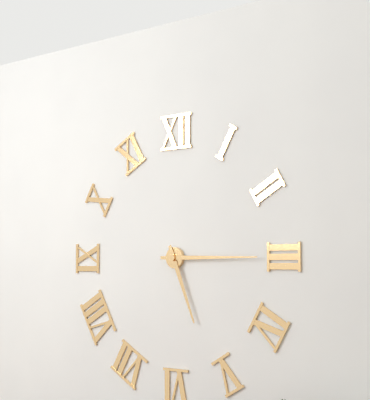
5:15
